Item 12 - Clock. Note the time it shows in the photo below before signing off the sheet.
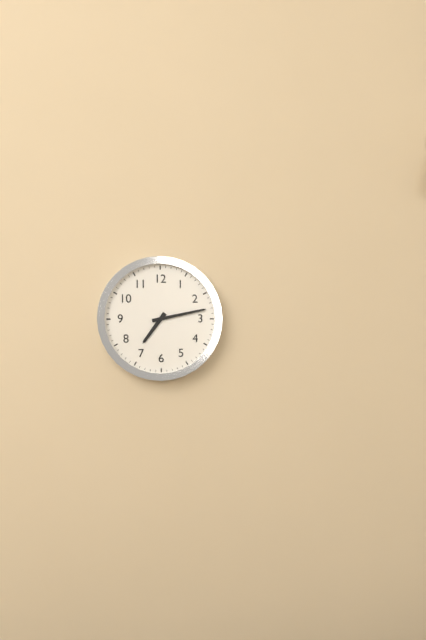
7:13
